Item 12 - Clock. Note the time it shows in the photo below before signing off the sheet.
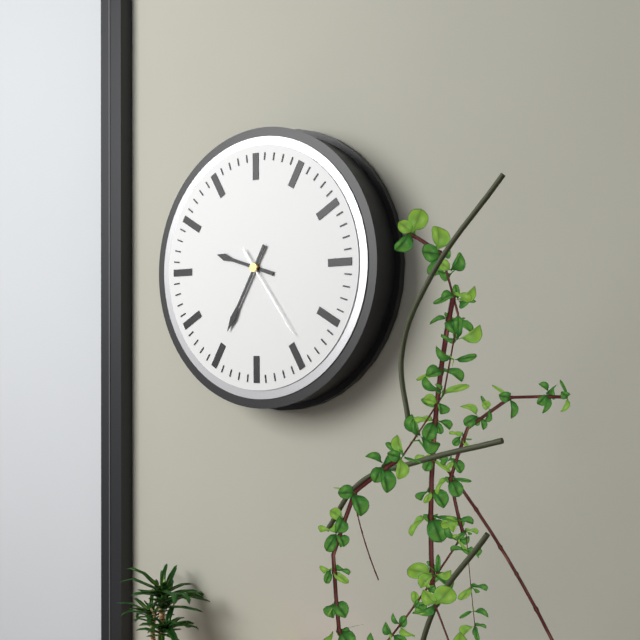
9:35:24
